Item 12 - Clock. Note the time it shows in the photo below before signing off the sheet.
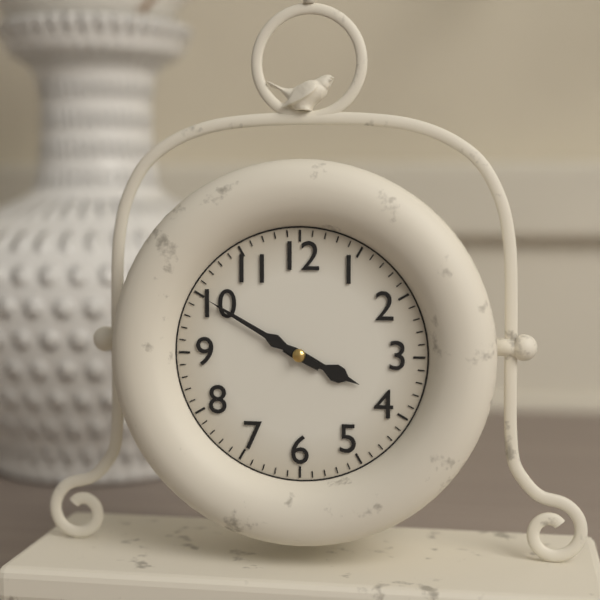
3:50
